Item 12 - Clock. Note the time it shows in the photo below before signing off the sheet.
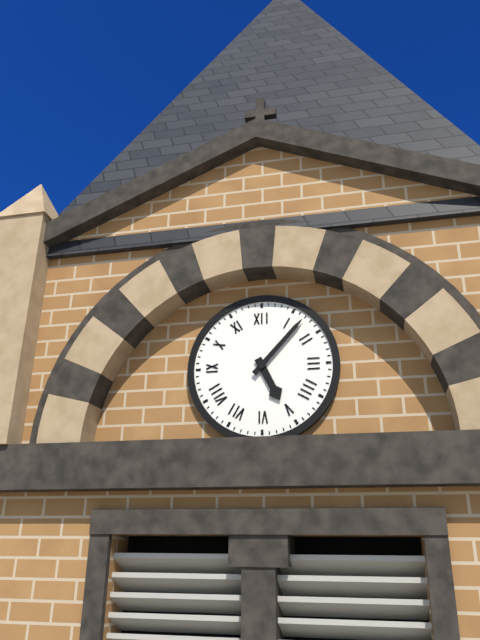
5:07
